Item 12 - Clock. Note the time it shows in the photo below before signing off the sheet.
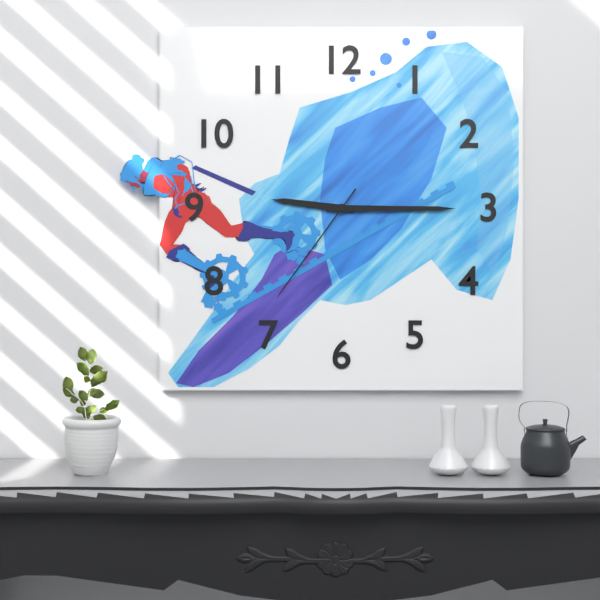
9:15:36
